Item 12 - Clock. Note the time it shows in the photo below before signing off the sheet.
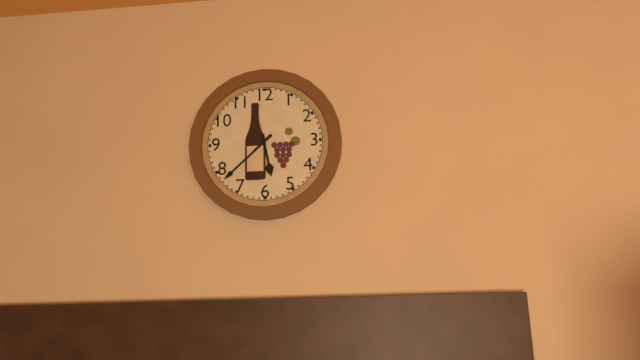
5:38
